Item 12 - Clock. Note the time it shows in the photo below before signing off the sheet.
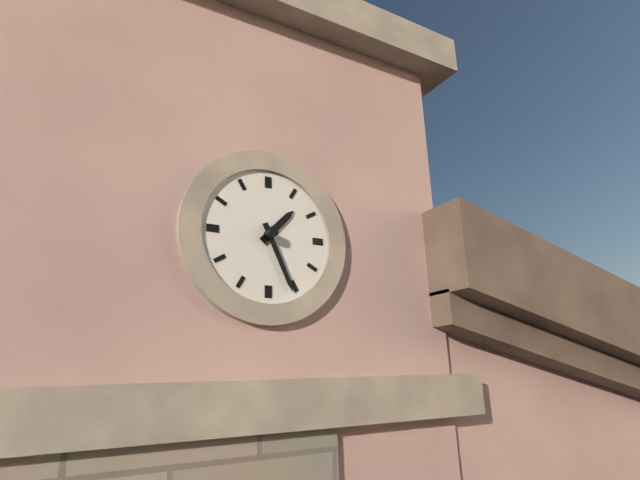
1:26
